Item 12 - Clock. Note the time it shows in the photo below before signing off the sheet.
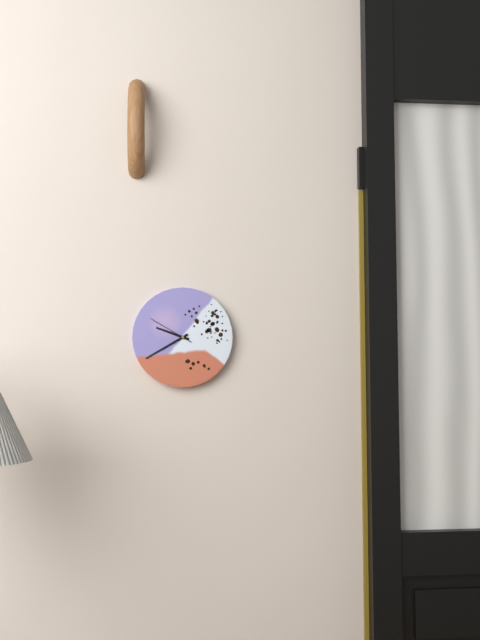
9:40
